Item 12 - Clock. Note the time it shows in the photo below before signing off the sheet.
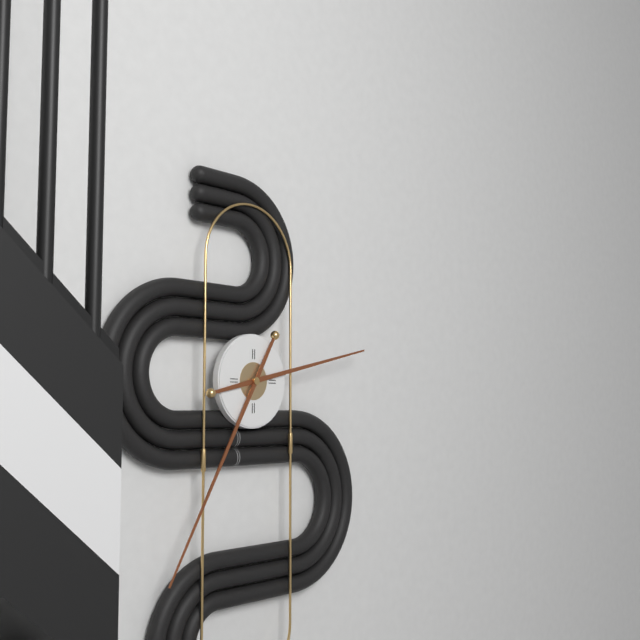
2:35
